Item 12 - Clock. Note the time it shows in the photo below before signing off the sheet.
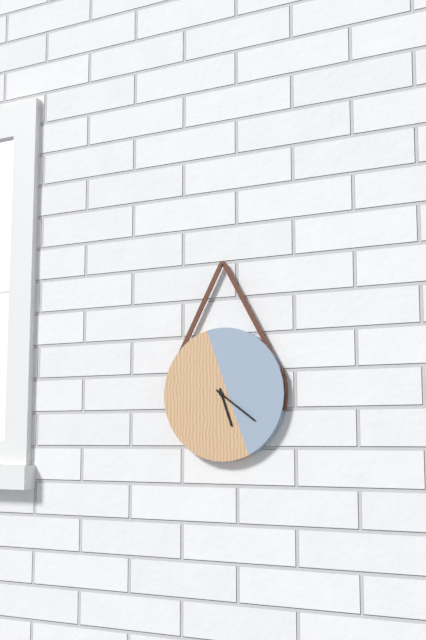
5:21
